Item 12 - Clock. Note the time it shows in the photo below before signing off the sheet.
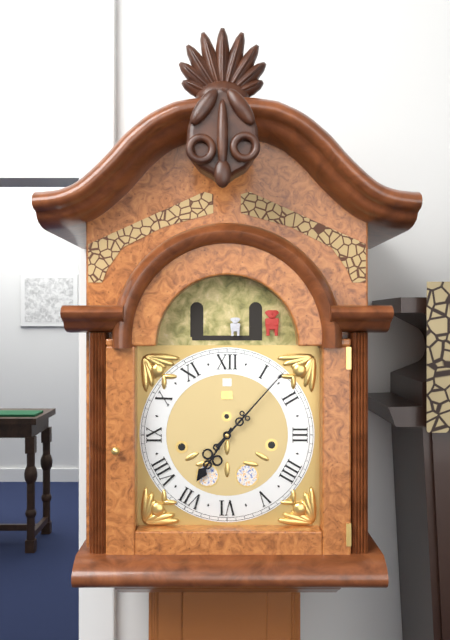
7:07
